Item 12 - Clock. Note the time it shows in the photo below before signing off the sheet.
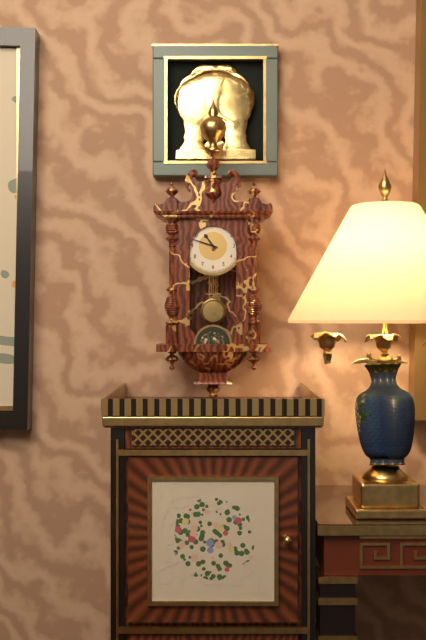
10:48
